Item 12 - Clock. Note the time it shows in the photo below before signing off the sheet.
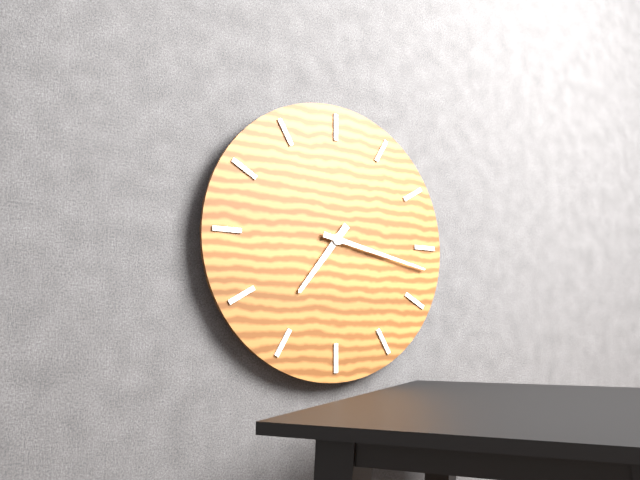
7:17
